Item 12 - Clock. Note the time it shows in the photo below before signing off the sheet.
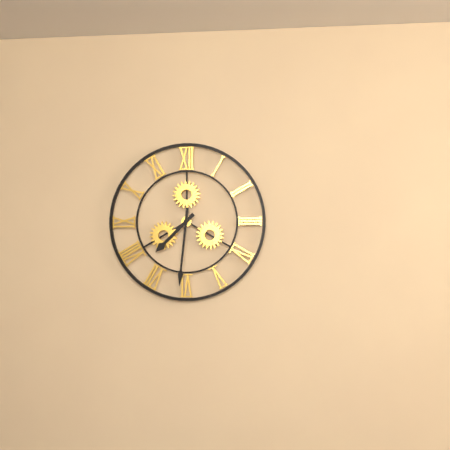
7:31
